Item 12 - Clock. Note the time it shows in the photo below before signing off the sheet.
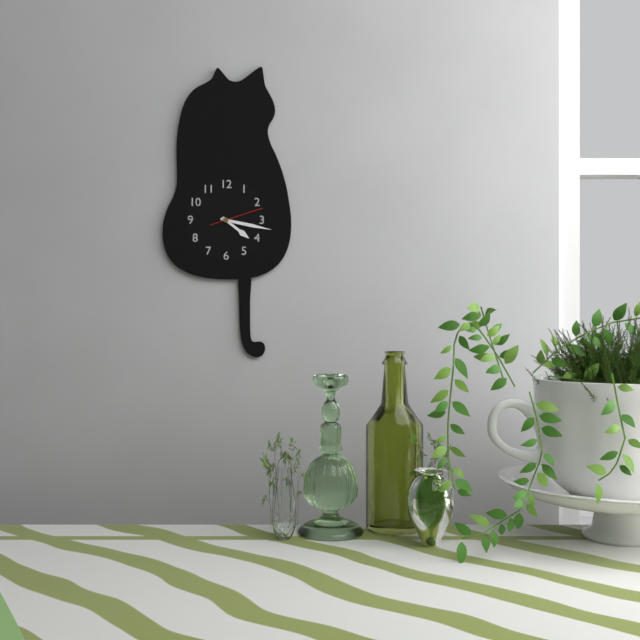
4:17
